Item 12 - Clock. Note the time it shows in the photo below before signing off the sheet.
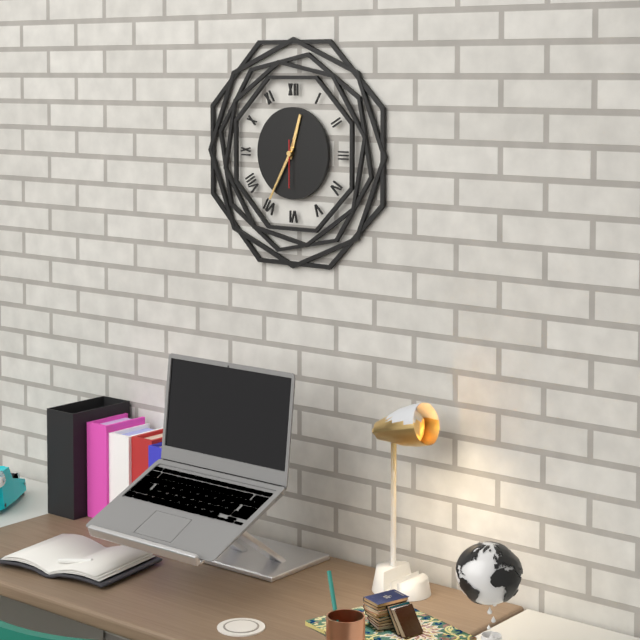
12:35
